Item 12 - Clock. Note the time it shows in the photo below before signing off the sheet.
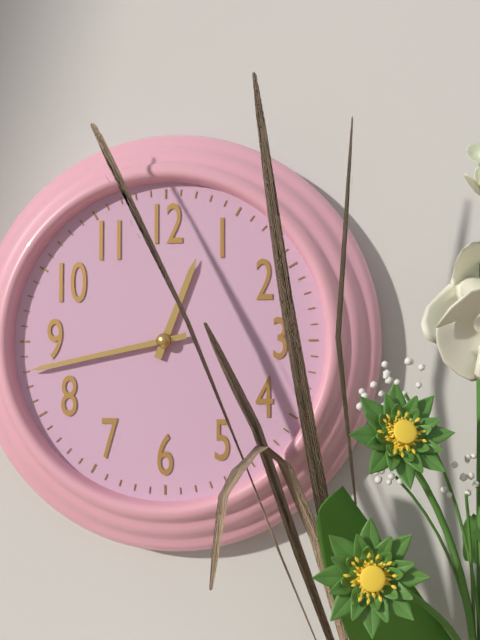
12:43
